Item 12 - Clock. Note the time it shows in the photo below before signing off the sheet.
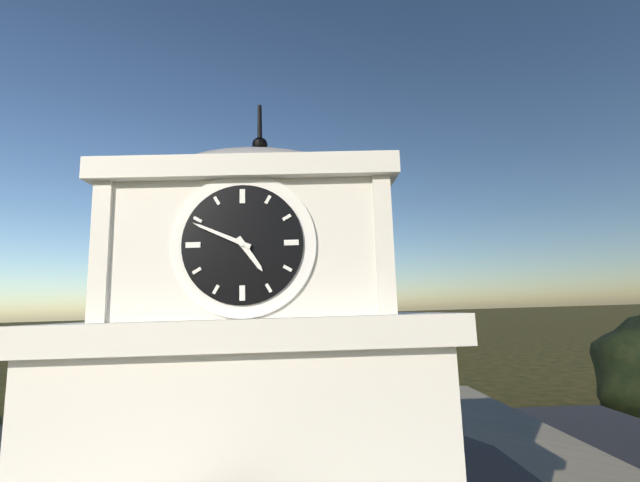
4:49
